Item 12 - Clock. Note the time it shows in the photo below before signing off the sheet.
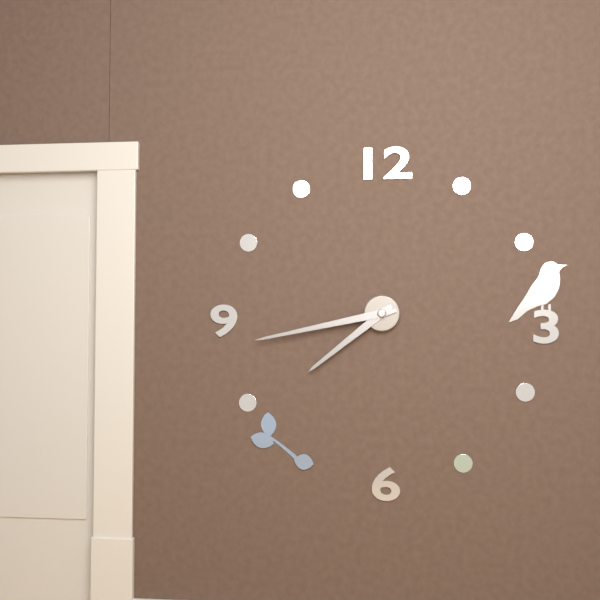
7:43
